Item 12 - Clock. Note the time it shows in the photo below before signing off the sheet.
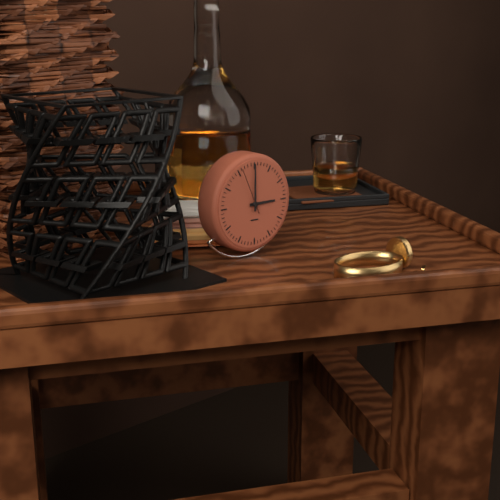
3:00
